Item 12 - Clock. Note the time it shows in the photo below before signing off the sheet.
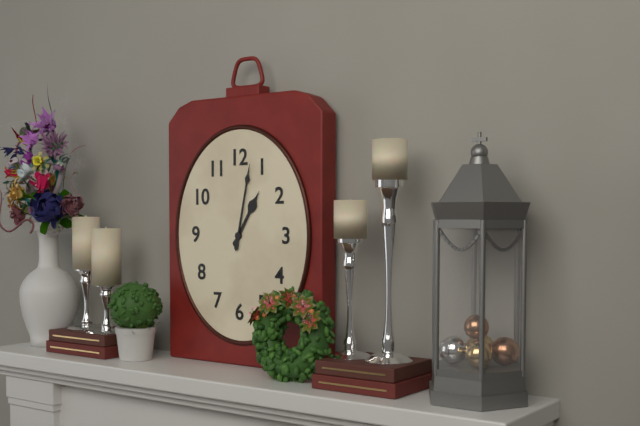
1:02
